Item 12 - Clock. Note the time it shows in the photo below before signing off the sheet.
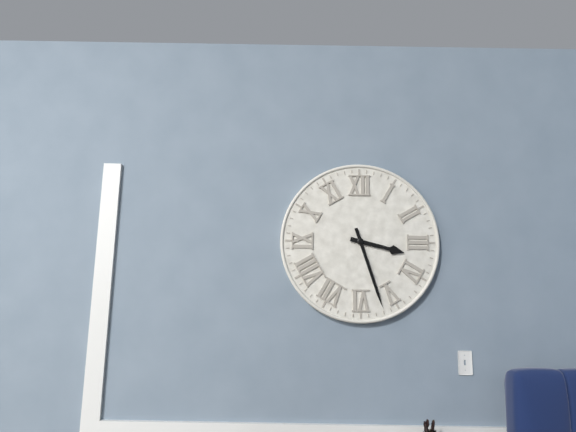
3:27
